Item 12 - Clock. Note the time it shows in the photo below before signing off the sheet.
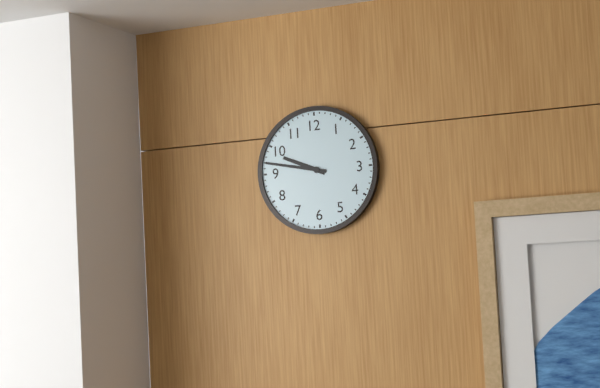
9:47
